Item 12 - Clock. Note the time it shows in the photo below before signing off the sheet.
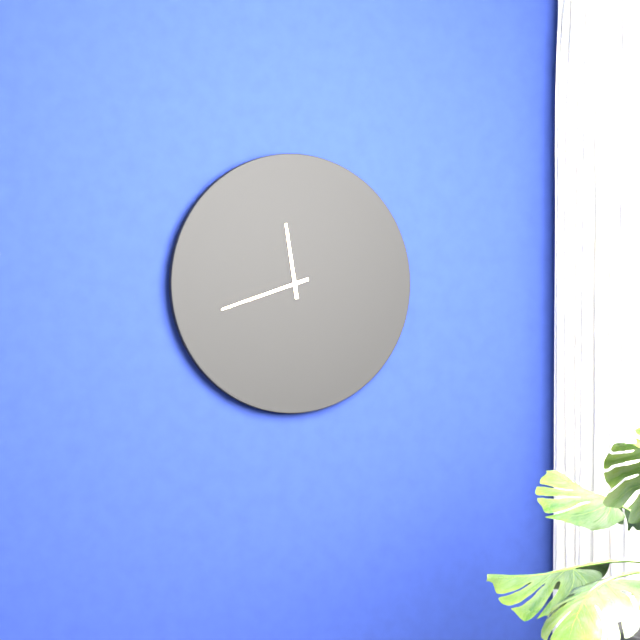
11:42
